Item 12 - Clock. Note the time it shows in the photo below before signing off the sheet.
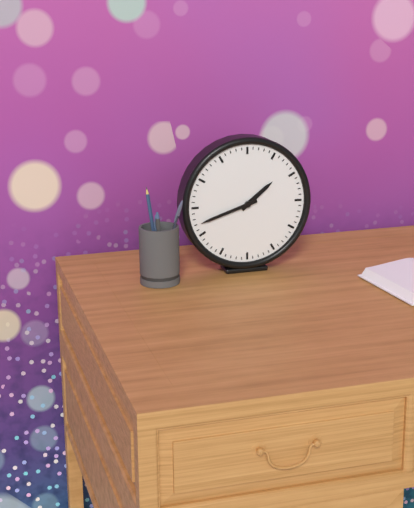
1:42
